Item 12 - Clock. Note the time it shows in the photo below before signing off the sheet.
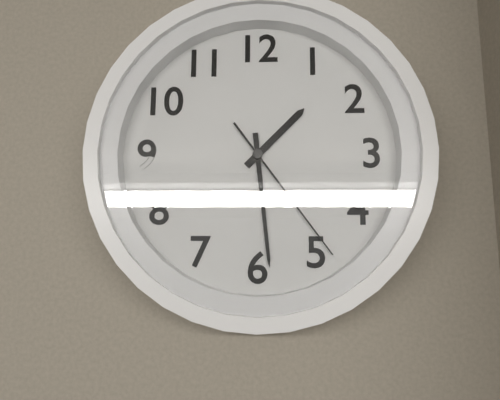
1:29:24
